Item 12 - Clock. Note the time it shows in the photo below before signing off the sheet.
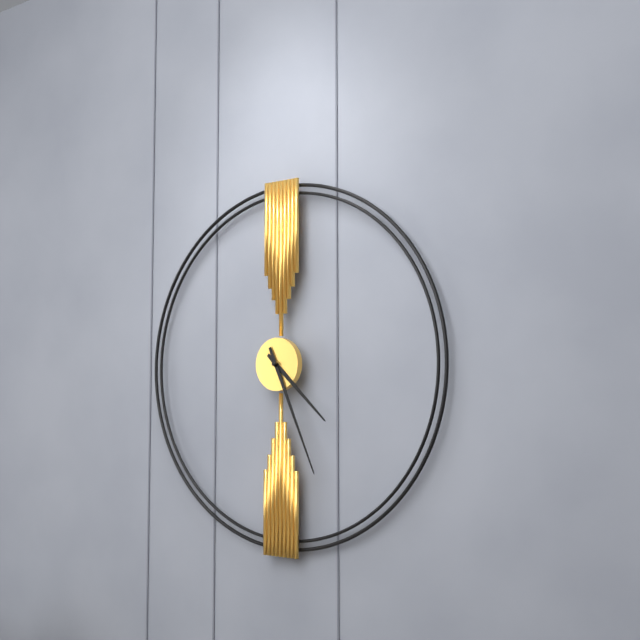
4:26
